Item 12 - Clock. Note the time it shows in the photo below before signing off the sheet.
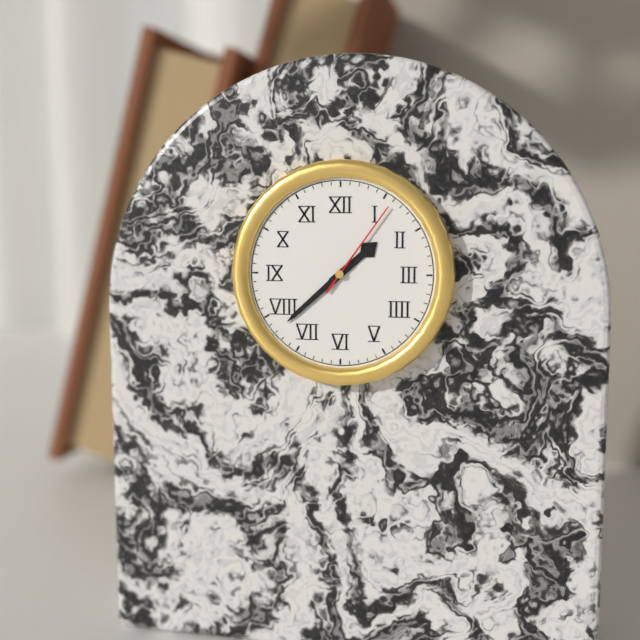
1:38:06
